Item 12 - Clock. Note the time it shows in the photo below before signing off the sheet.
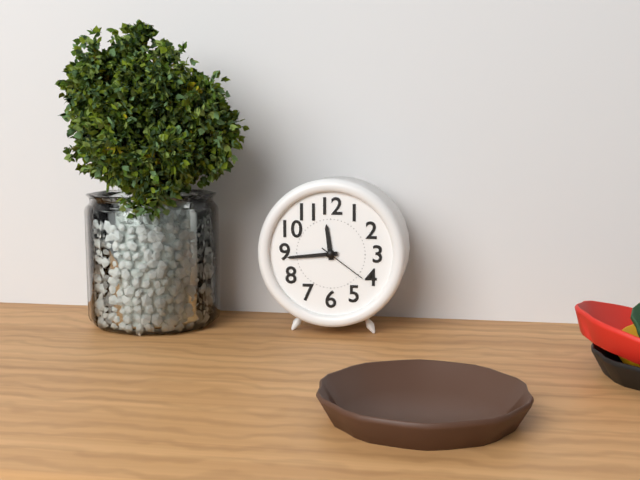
11:44:21
